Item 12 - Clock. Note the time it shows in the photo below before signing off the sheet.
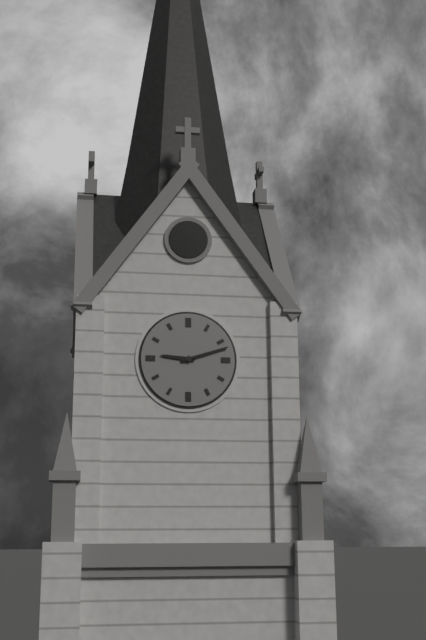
9:12
